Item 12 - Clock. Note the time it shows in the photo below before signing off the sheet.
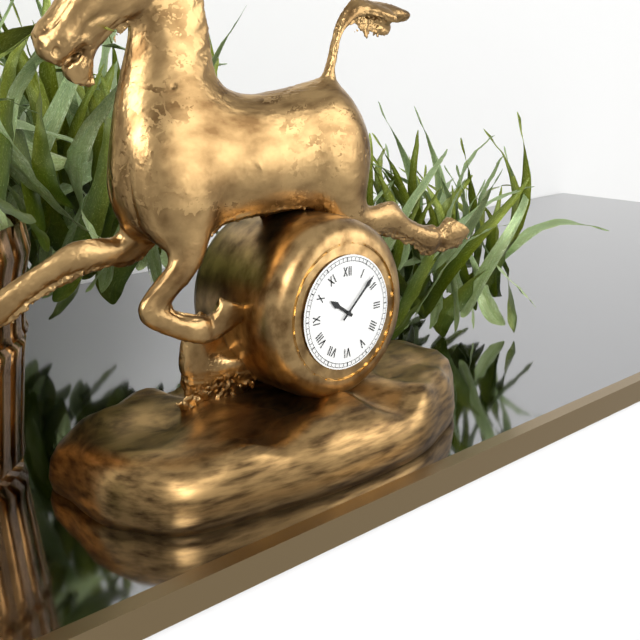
10:08
